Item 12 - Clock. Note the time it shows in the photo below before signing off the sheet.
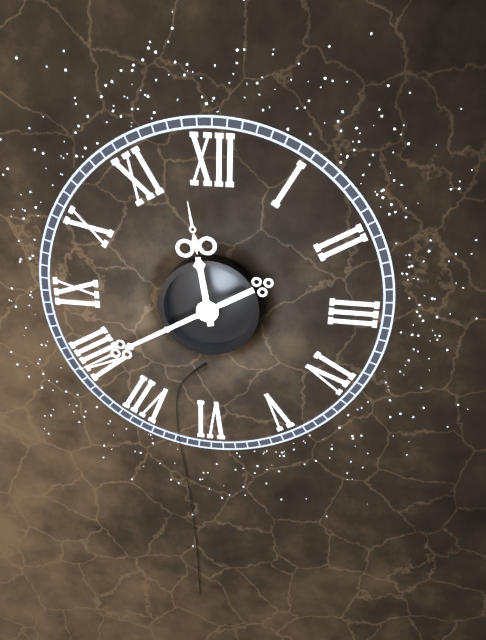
11:40
